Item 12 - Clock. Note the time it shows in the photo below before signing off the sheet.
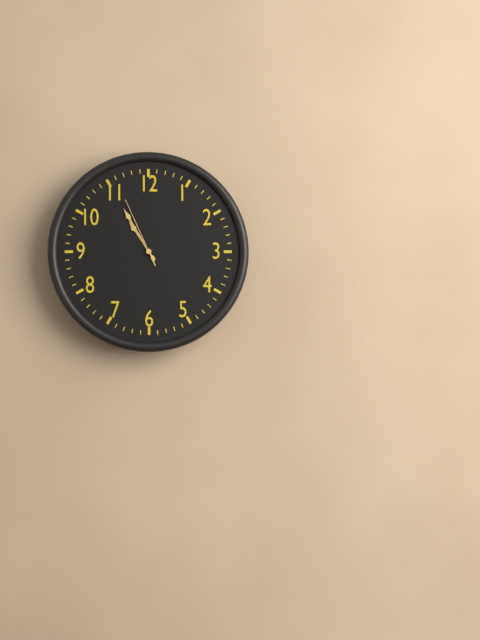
10:55:56
